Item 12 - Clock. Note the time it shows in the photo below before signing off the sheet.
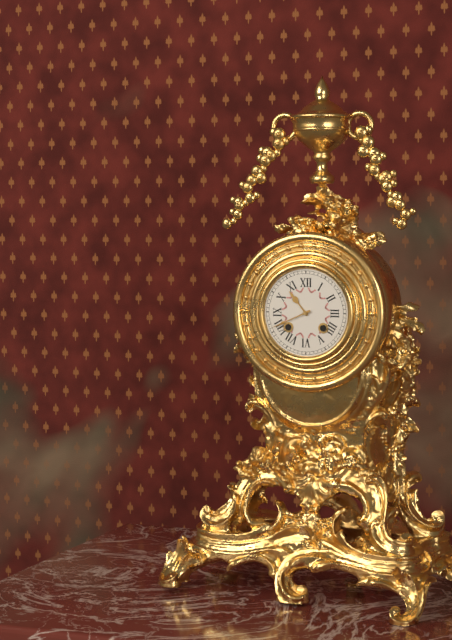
10:41
